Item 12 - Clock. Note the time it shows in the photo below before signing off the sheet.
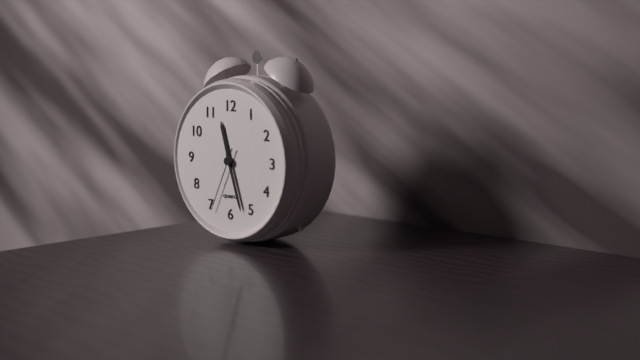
11:27:34
